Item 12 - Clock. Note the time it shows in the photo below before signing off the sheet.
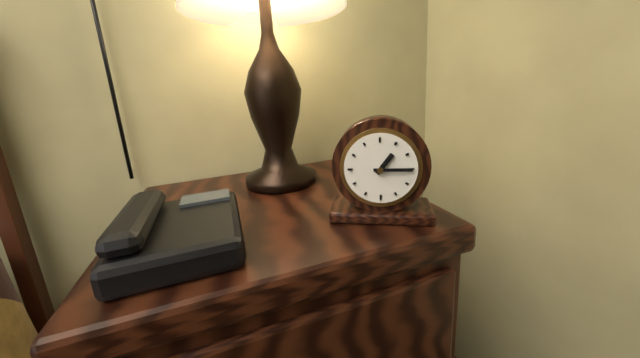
1:15
